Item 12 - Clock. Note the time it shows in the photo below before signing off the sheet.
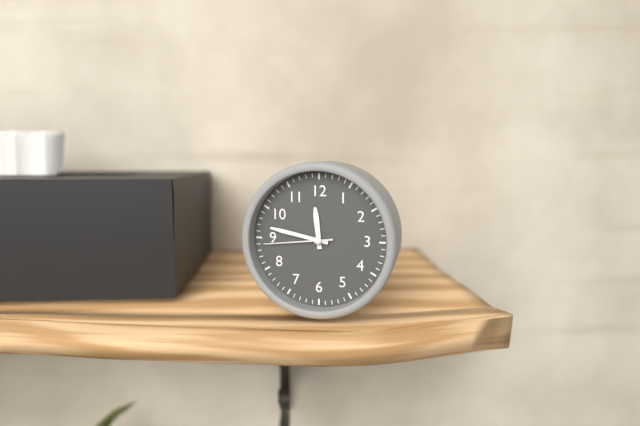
11:47:44
